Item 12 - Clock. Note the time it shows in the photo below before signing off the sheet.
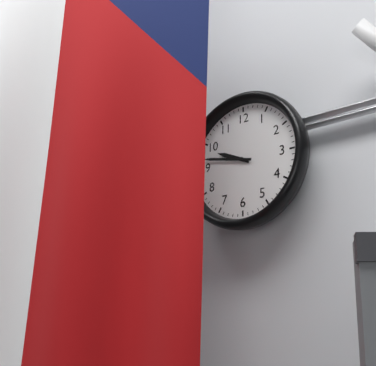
9:47
